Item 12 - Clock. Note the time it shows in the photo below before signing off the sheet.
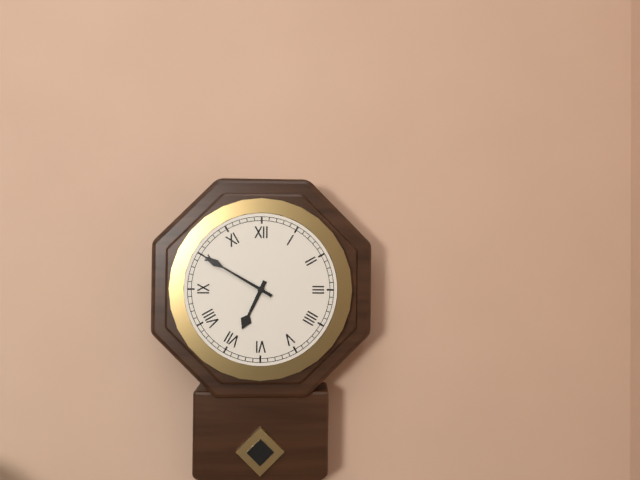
6:50
